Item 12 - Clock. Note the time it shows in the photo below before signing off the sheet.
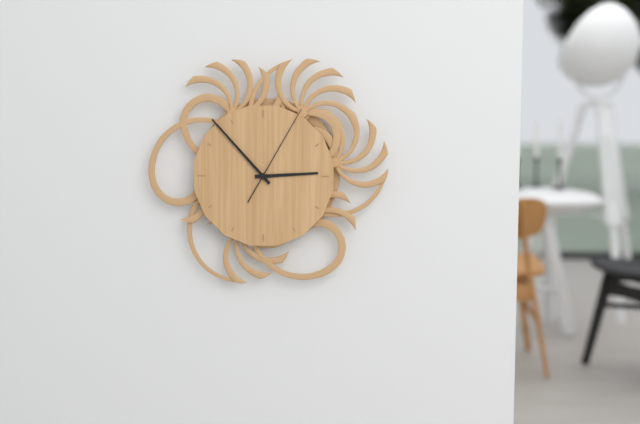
2:53:05
